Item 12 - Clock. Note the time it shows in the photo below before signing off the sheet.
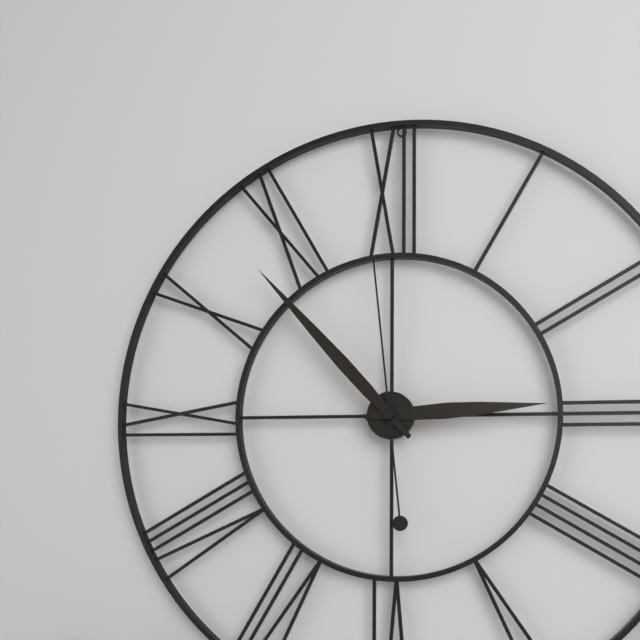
2:53:59
